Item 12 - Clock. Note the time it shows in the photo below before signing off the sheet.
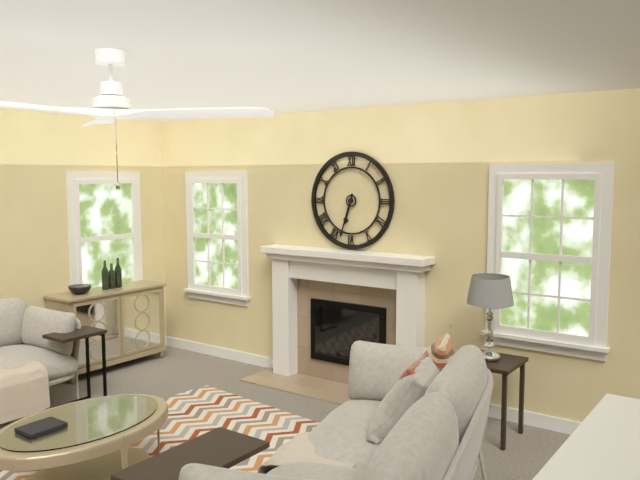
6:33
